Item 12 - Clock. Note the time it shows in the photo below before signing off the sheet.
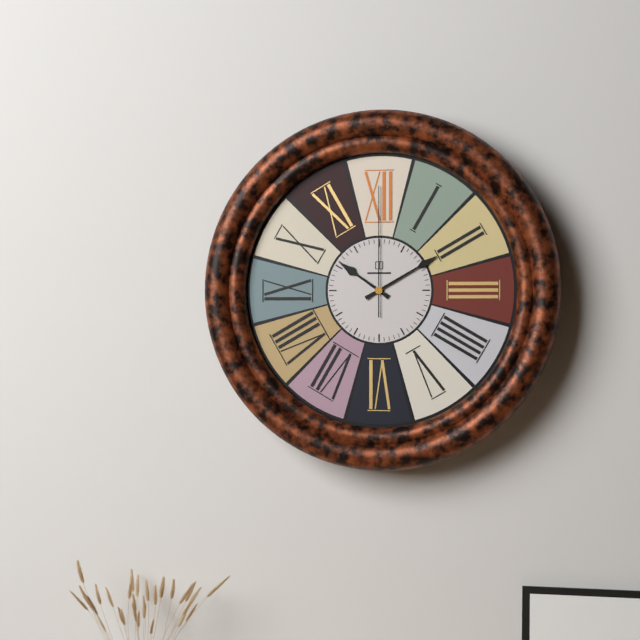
10:10:00
